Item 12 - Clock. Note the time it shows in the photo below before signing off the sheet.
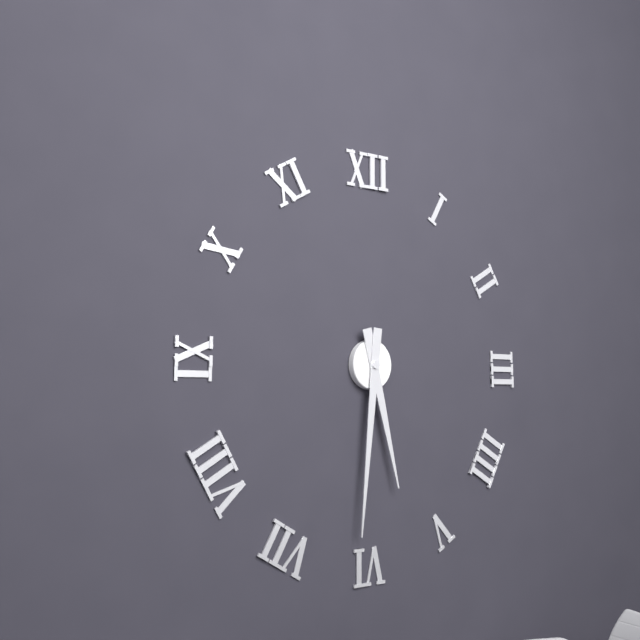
5:31
